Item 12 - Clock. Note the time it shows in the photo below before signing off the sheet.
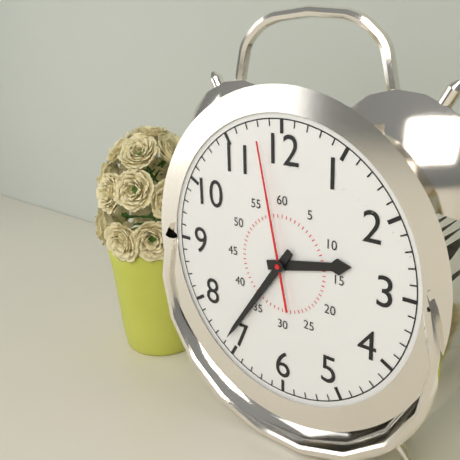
2:36:58
